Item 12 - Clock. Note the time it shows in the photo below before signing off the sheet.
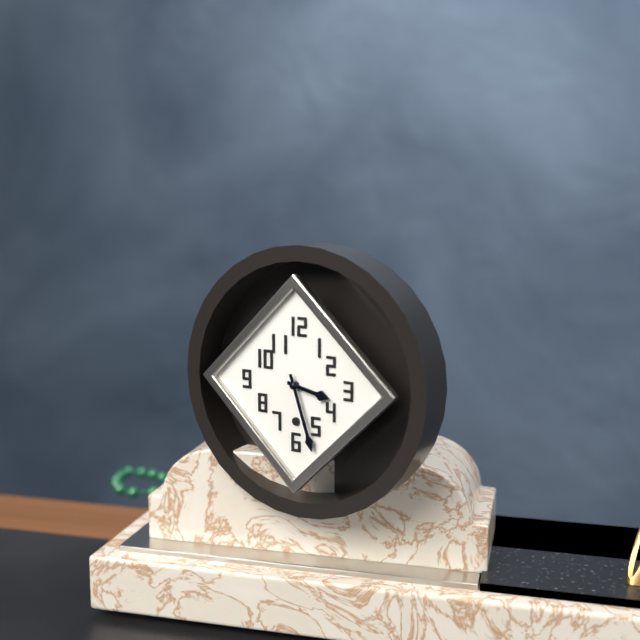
3:27
